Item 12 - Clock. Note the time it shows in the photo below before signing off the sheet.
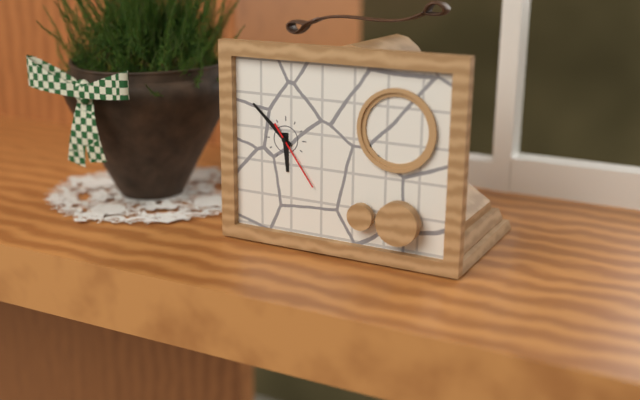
5:52:24
